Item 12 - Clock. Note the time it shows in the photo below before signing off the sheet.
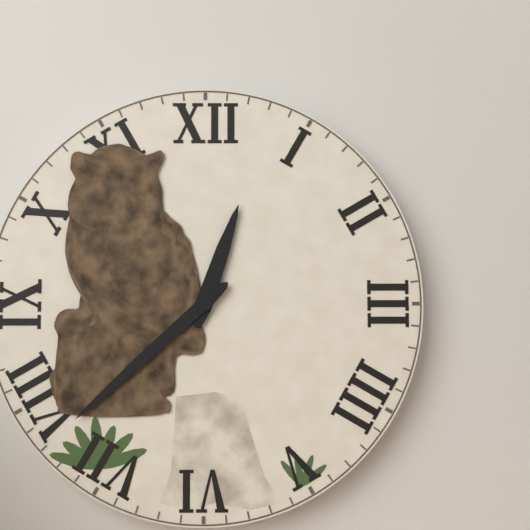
12:38
